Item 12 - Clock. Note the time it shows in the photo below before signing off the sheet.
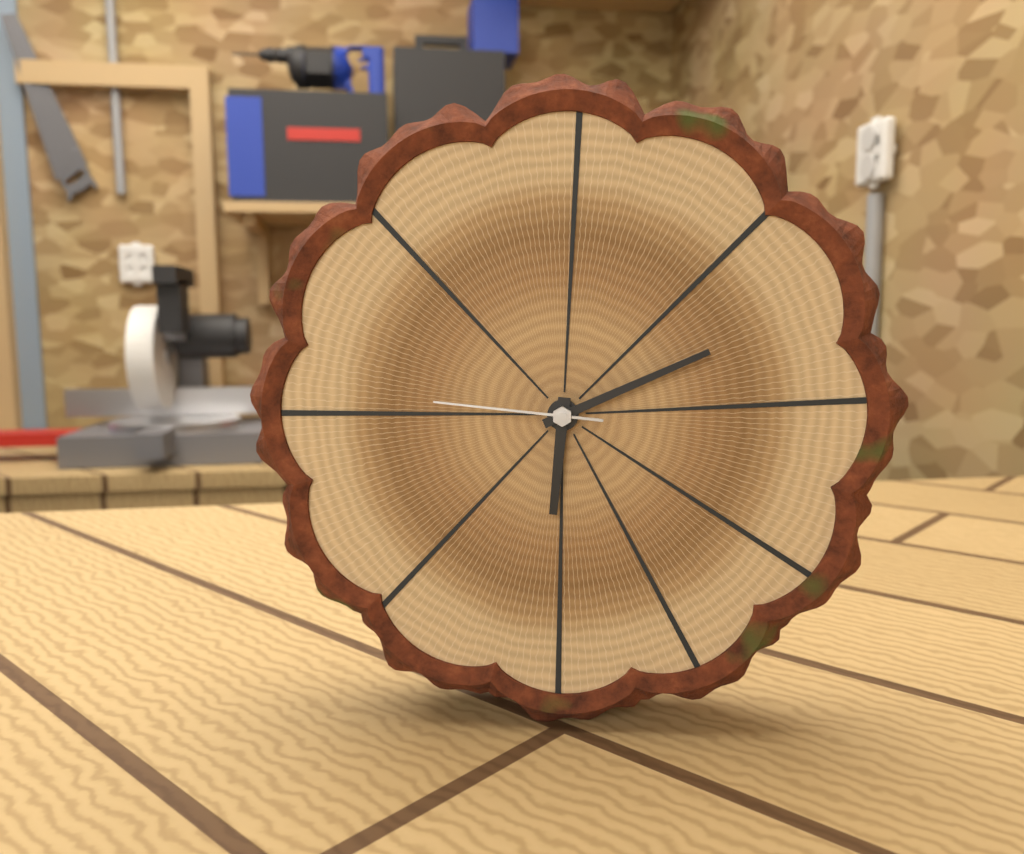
6:11:46
